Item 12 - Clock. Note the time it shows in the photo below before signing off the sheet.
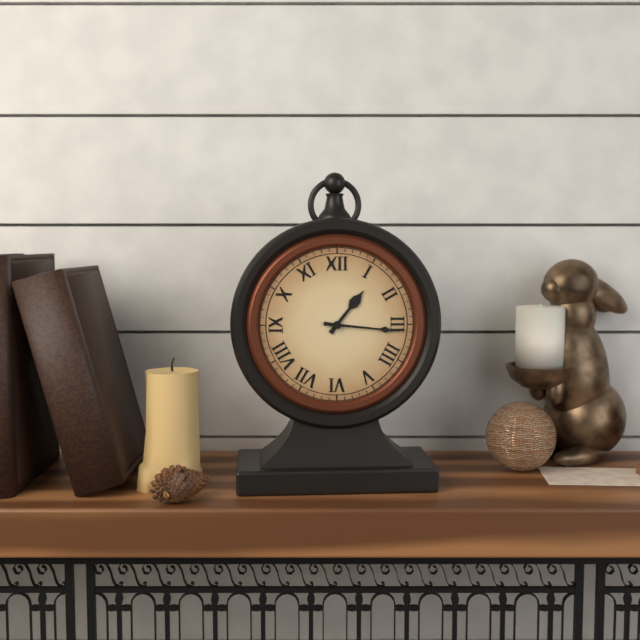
1:16
